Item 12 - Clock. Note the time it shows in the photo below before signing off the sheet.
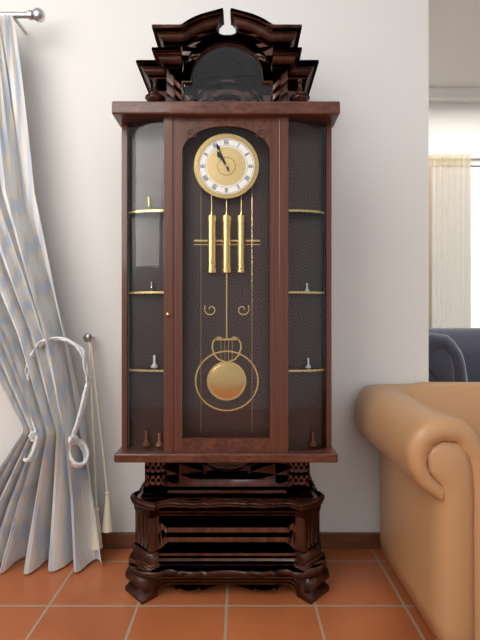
10:56
